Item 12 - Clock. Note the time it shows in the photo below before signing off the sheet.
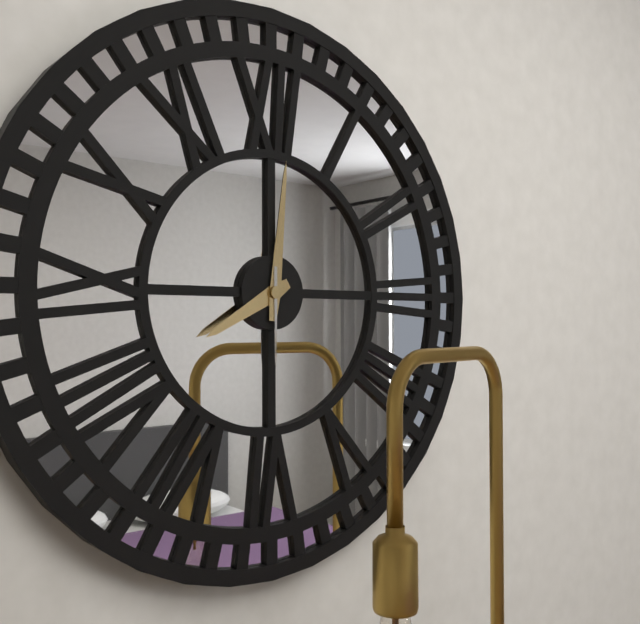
8:01:30
